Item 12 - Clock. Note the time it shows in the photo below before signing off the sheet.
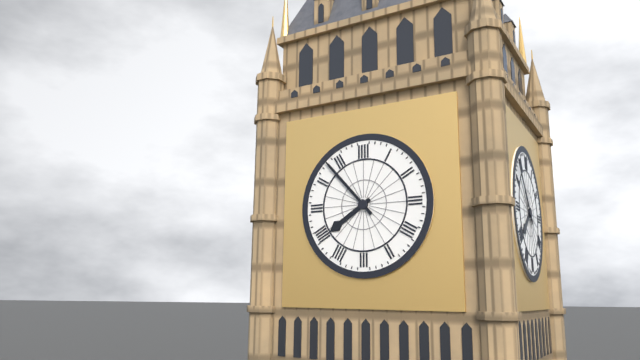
7:53
